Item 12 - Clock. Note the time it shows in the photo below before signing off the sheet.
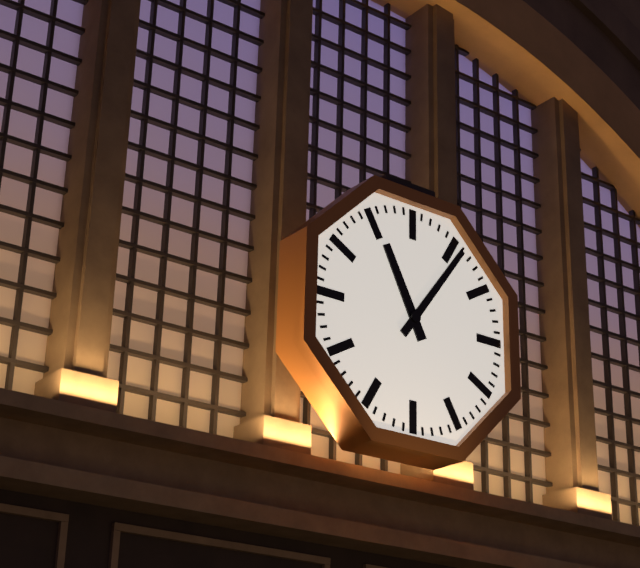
11:06
